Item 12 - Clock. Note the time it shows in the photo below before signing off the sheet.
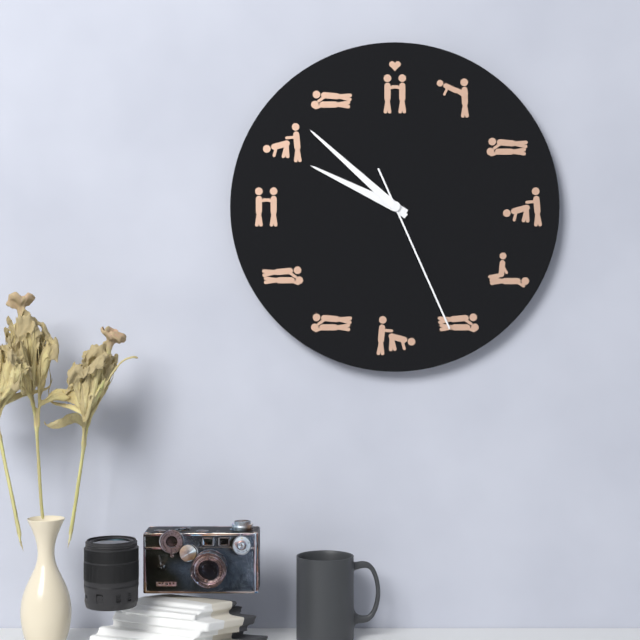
9:52:26
